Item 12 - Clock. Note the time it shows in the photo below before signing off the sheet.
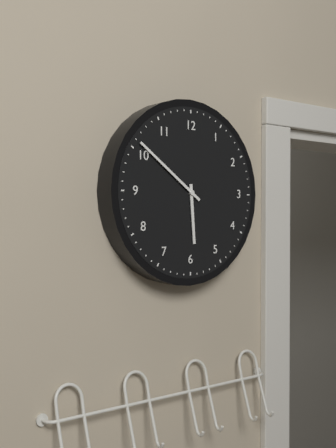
5:51
